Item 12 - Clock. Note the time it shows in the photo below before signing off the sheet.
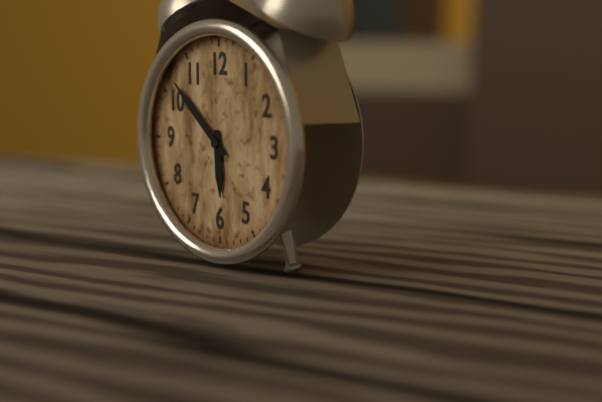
5:52
